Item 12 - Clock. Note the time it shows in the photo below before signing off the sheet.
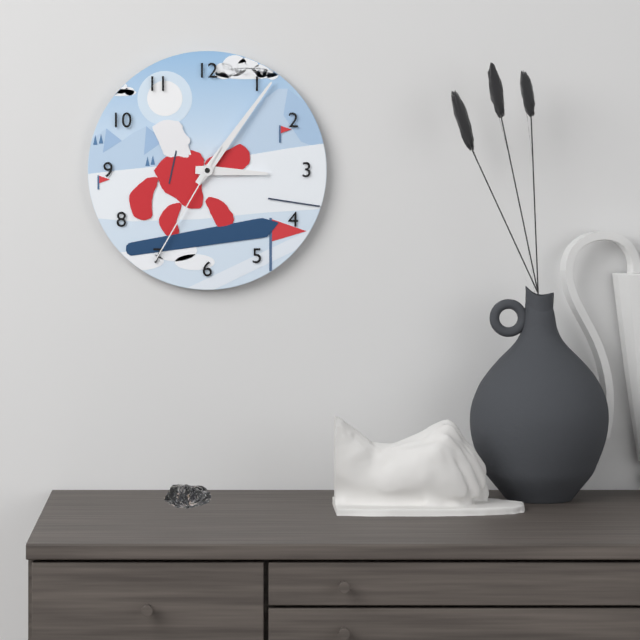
3:06:35
